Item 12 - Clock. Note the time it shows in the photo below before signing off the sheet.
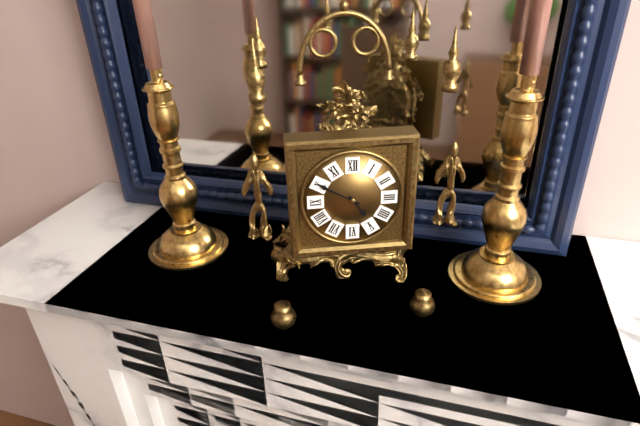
4:50
